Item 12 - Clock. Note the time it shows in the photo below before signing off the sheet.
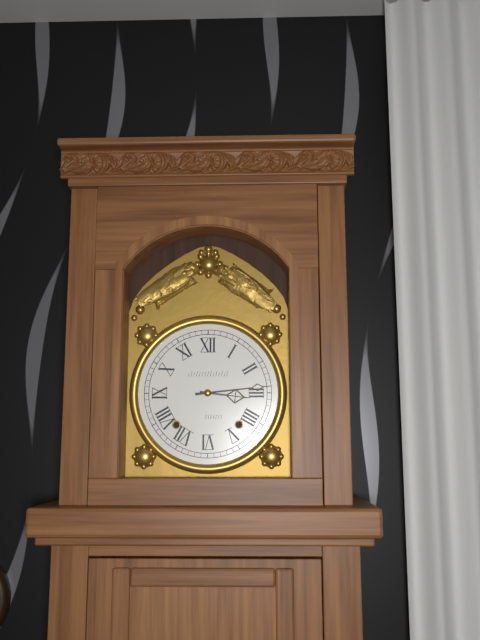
3:14
